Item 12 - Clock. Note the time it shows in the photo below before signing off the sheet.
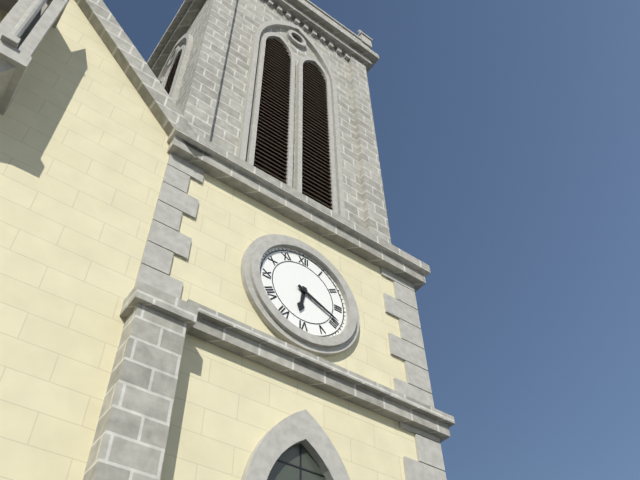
6:19
